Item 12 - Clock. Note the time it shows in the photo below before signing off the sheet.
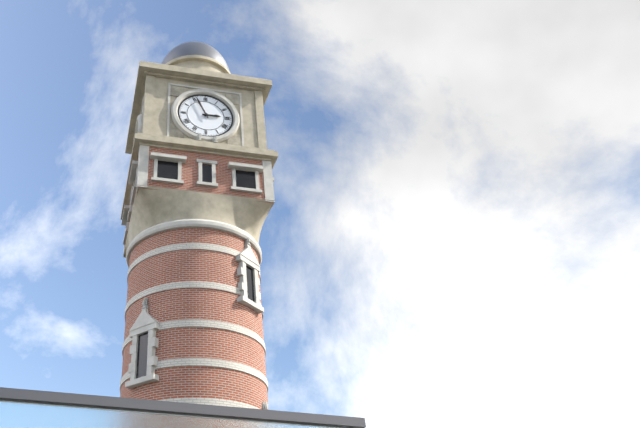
2:56
